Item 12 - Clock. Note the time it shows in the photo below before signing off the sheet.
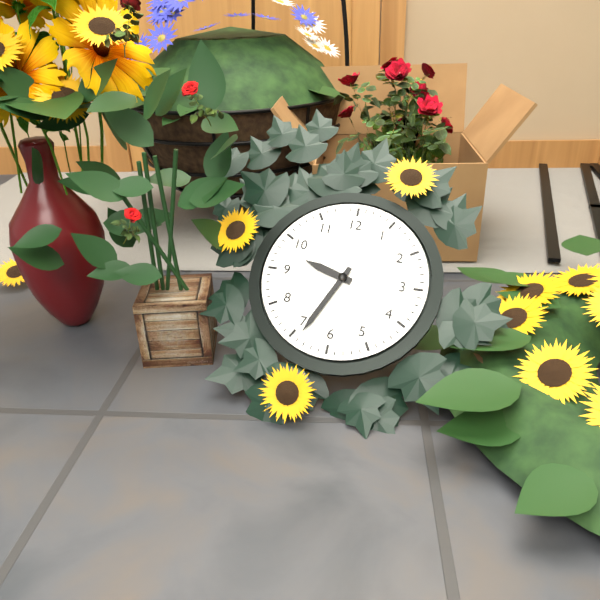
9:34
